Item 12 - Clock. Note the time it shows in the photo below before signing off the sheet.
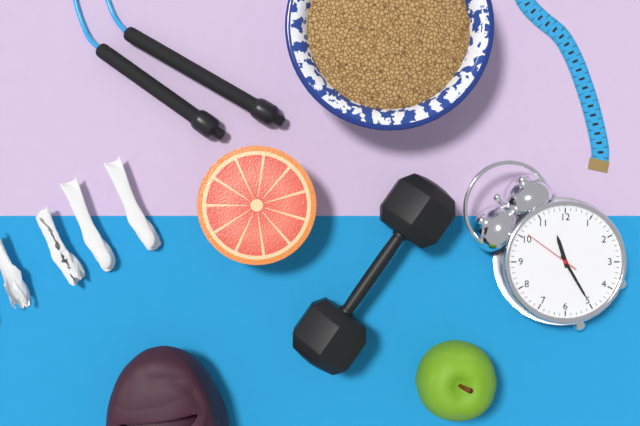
11:25:51
